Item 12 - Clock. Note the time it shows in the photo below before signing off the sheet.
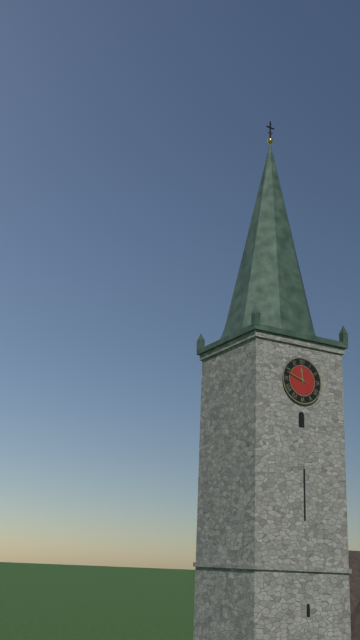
11:48
